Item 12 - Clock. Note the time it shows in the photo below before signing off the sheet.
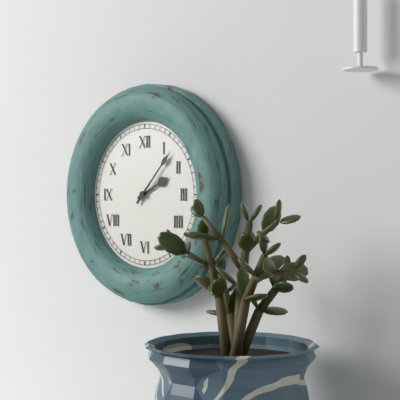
2:07
